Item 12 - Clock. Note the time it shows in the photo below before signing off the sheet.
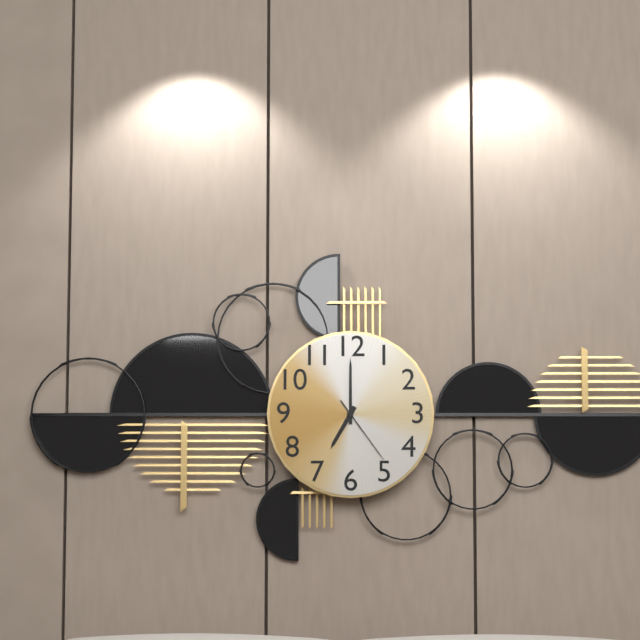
7:00:24
